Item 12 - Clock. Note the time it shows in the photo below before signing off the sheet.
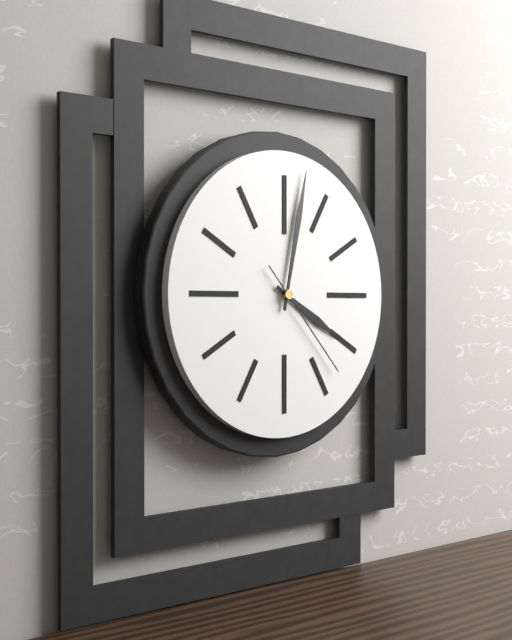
4:02:23
